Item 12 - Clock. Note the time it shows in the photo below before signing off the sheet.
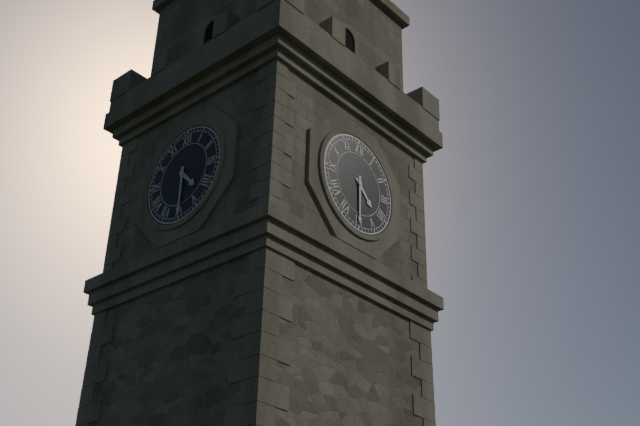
4:30
